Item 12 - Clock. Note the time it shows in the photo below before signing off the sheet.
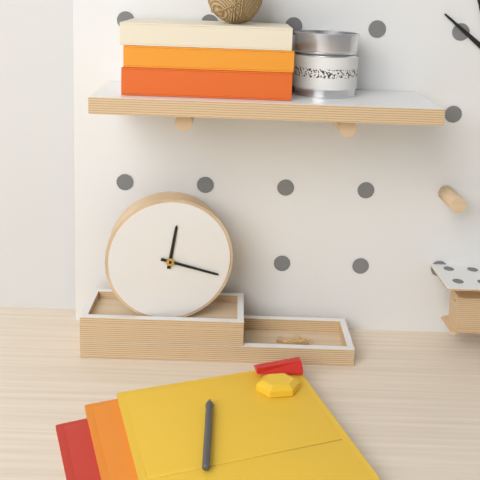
12:18
